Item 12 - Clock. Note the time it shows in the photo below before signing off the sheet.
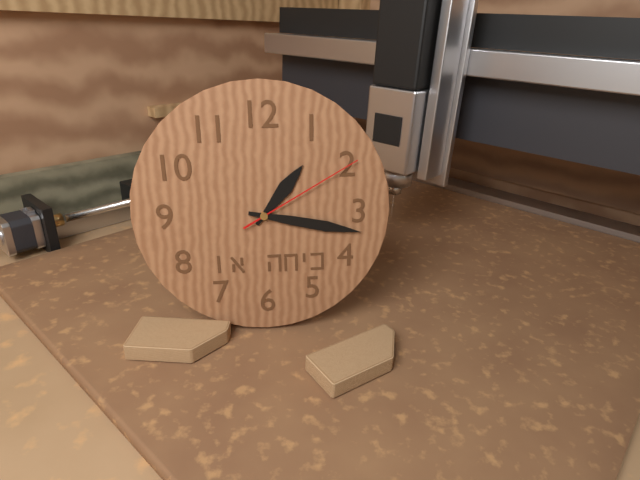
1:17:10
